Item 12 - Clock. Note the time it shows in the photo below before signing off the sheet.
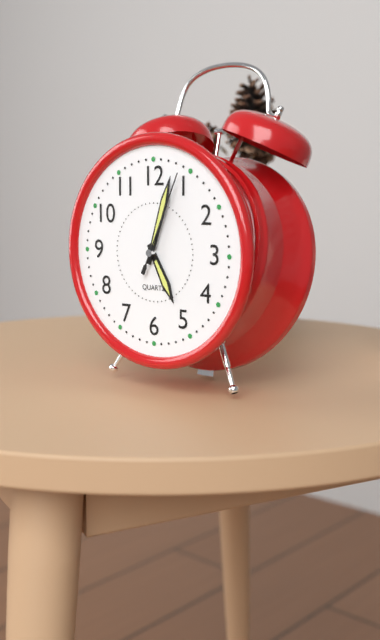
5:03:04
